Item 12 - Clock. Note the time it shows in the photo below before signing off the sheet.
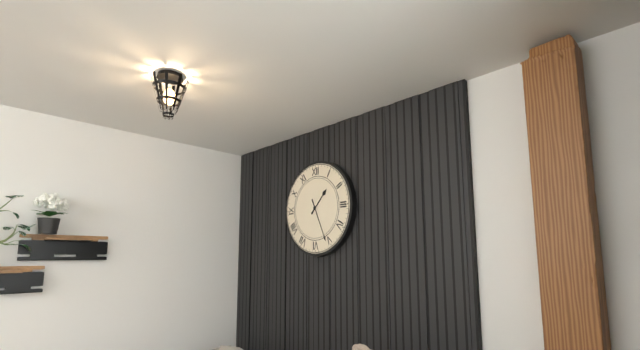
1:26
